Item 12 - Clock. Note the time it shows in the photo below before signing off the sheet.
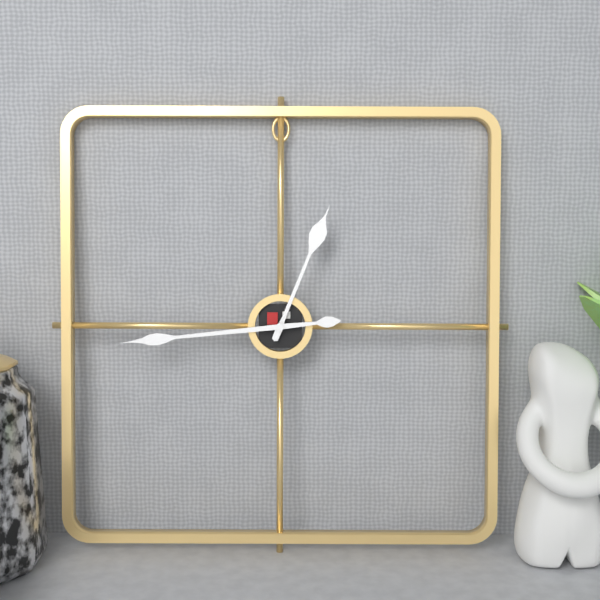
12:44
